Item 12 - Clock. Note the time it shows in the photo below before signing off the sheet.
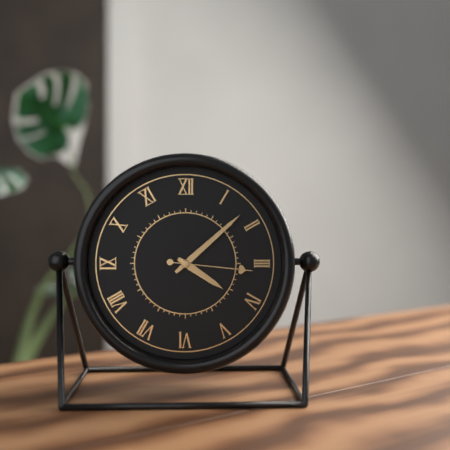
4:08:16
